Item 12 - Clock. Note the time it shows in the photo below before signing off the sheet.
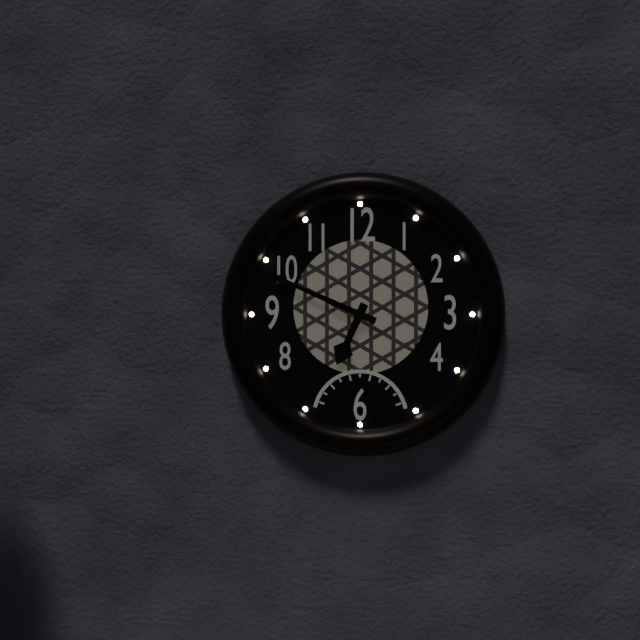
6:49
